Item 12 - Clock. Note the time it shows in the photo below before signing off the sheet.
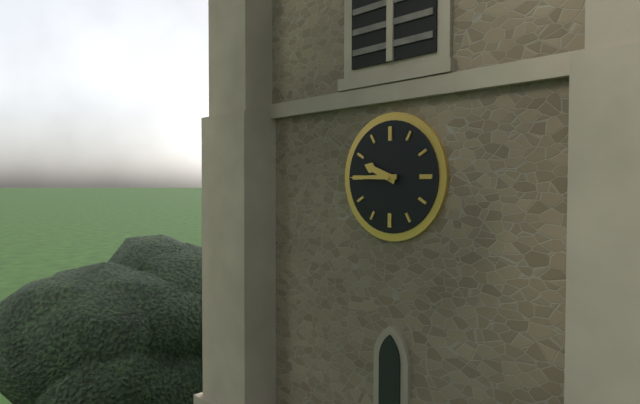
9:45
